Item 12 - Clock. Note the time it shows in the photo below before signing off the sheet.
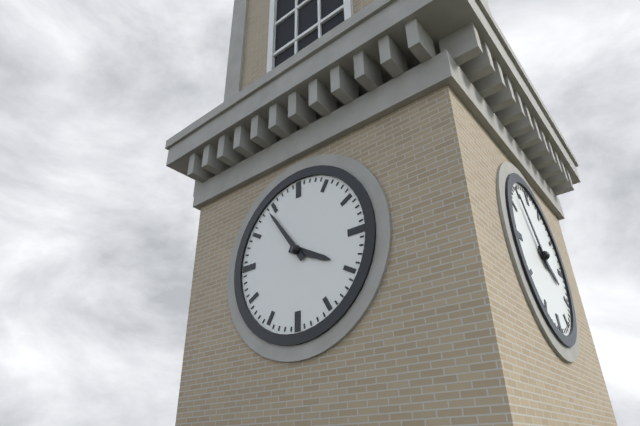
3:54
